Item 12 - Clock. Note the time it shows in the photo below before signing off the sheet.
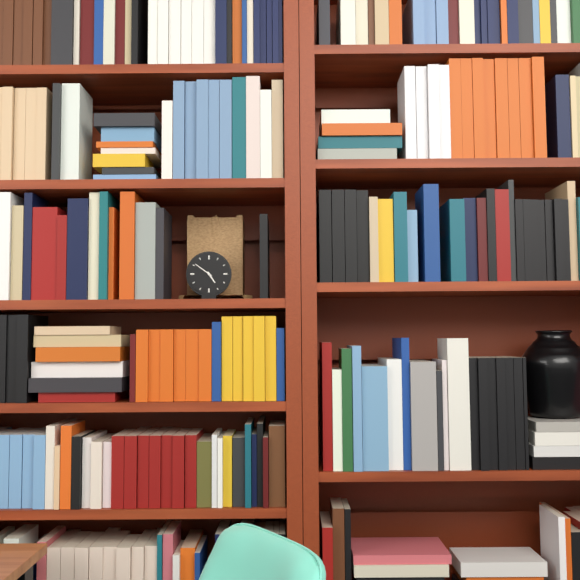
4:51
